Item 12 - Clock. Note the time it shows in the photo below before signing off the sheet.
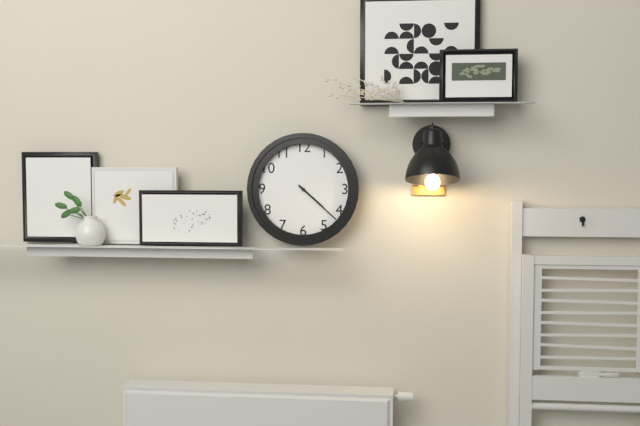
4:22
